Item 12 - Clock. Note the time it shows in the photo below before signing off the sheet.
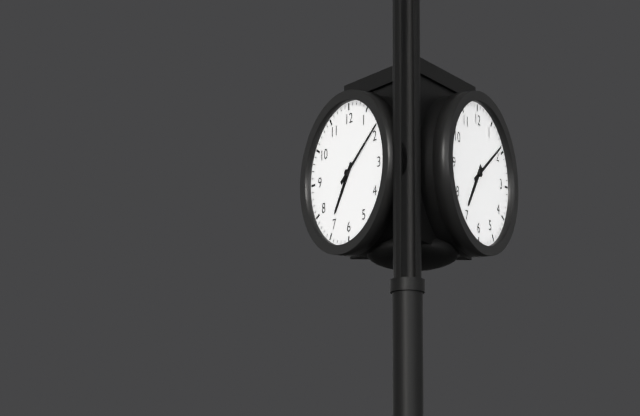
7:09
